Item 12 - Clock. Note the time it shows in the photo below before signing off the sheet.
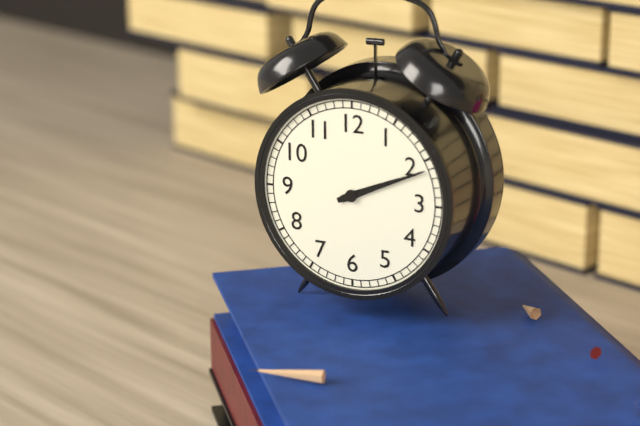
2:11
